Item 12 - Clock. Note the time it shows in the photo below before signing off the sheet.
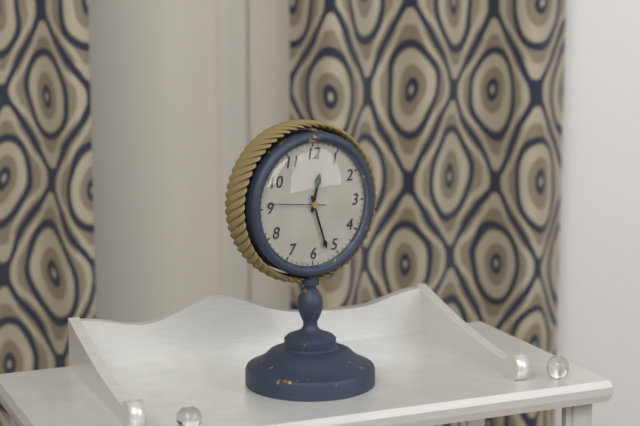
12:27:46
